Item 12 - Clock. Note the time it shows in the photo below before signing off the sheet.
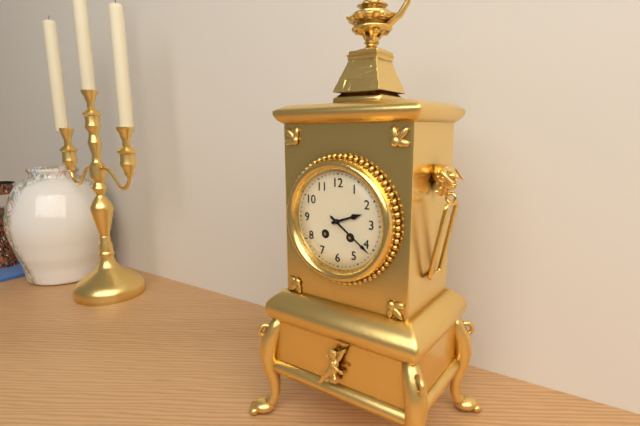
2:21
